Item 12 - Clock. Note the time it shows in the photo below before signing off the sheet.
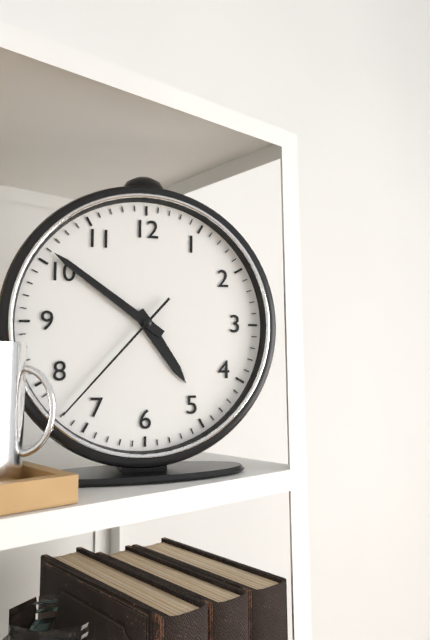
4:51:37
